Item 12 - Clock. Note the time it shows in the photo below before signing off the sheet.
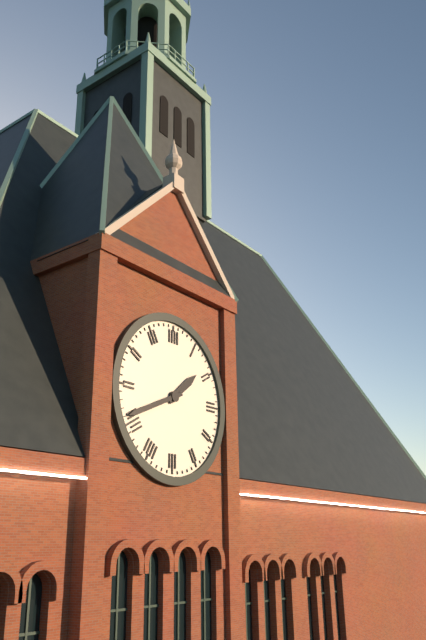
1:41
